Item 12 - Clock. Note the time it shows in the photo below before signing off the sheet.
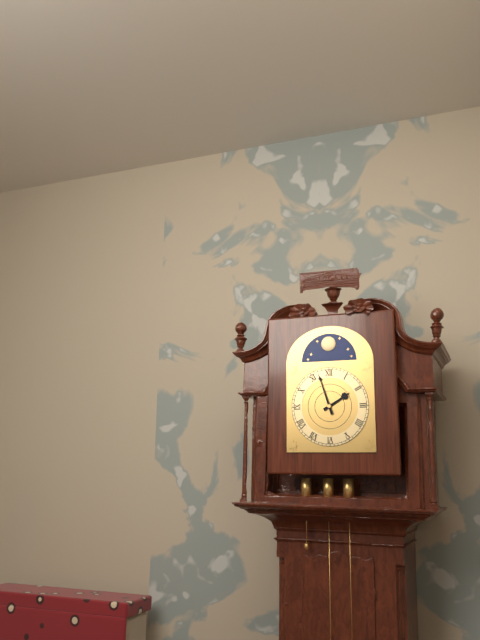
1:57
